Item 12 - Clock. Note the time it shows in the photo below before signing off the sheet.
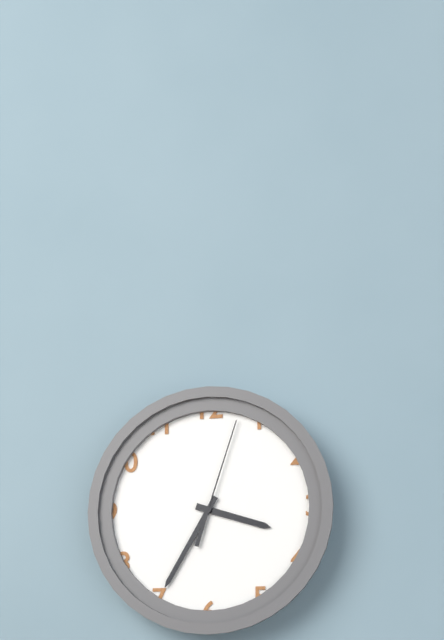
3:35:03
